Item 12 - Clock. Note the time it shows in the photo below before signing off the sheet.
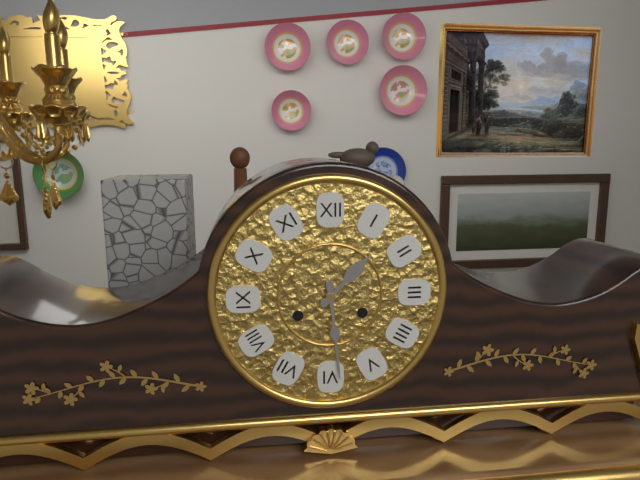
1:29
